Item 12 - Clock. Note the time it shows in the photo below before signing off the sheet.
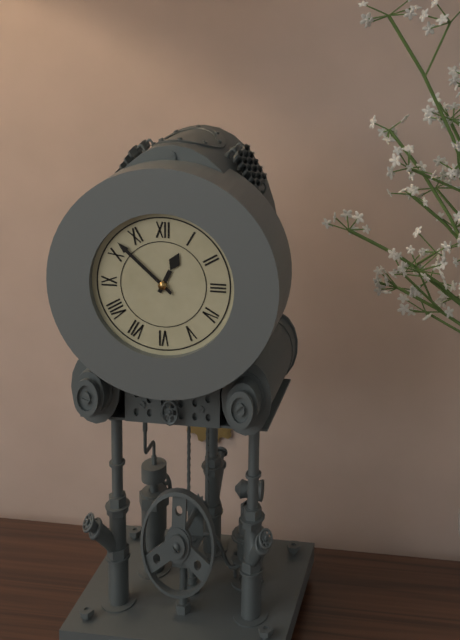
12:52
